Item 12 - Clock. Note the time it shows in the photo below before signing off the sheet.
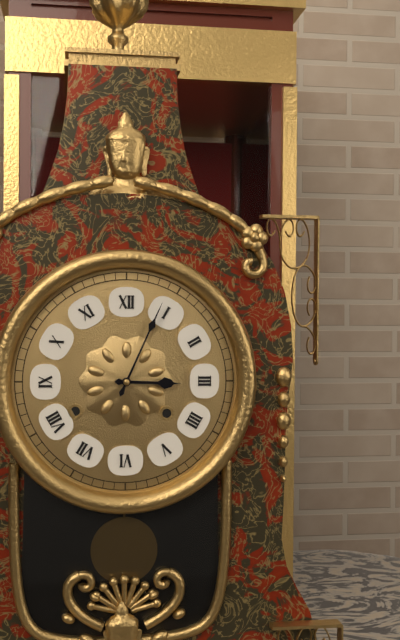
3:04
